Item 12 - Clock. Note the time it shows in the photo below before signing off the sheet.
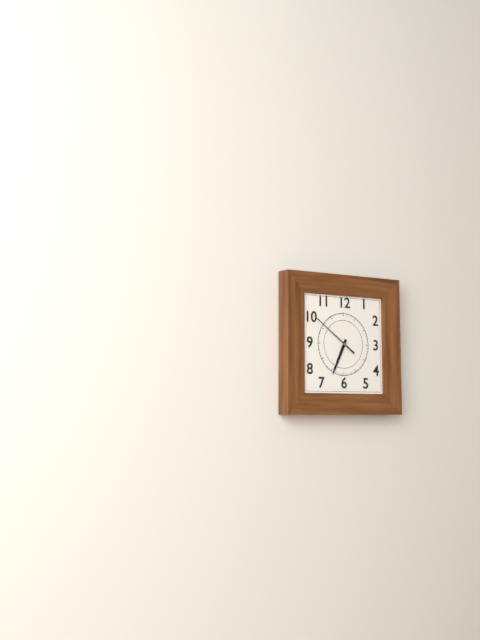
6:51
